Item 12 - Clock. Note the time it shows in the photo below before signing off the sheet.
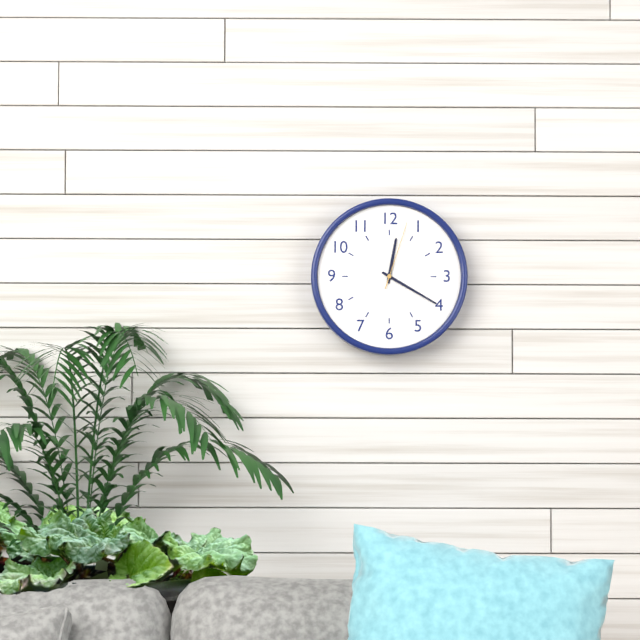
12:20:03
